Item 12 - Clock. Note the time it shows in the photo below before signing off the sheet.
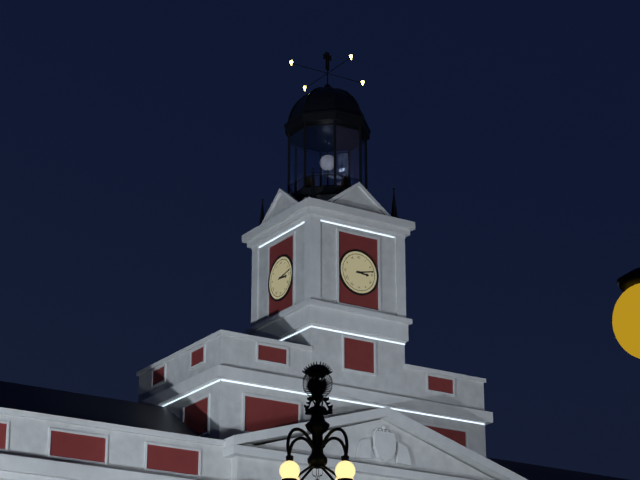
3:13
